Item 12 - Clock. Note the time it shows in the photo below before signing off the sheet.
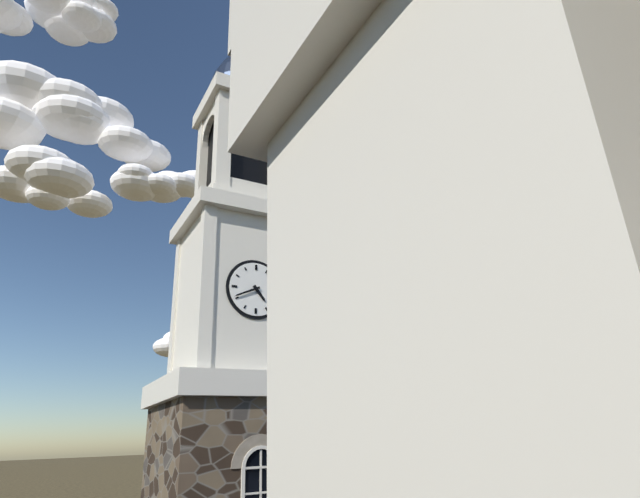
4:41
